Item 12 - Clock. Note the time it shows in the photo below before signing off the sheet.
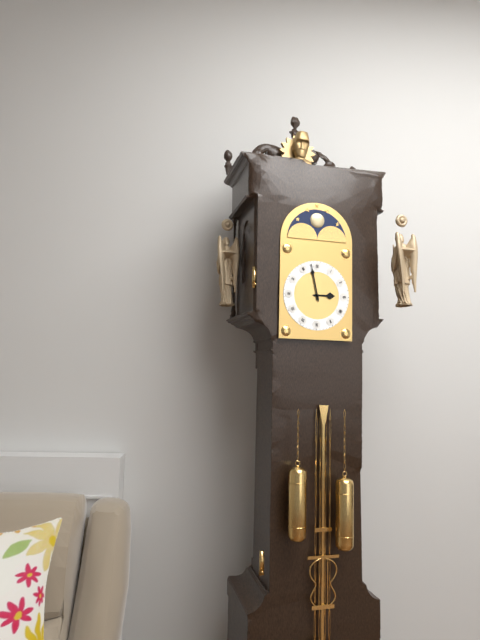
2:58
